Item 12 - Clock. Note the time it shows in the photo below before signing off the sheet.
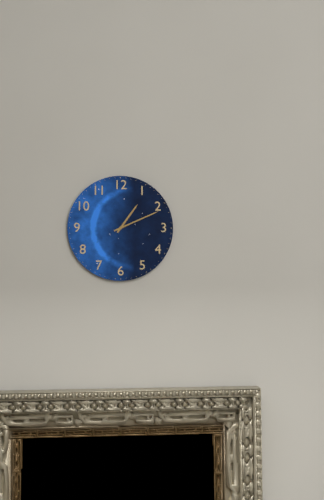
1:11
